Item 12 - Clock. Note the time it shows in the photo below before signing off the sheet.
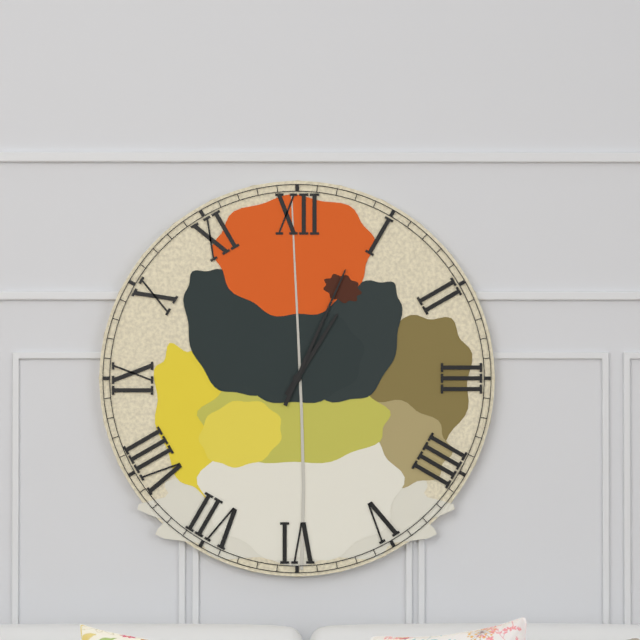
1:04
